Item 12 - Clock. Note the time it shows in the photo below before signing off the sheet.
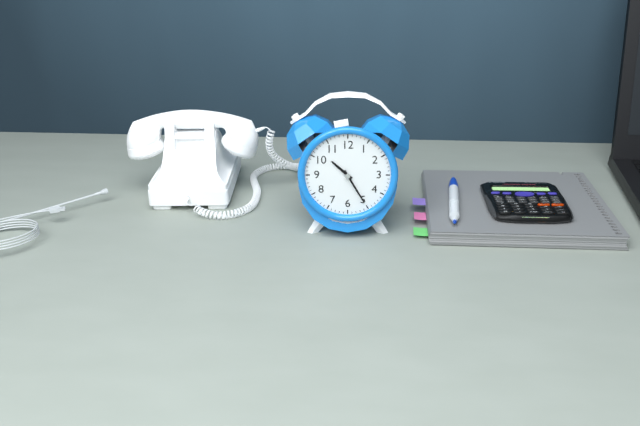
10:25
